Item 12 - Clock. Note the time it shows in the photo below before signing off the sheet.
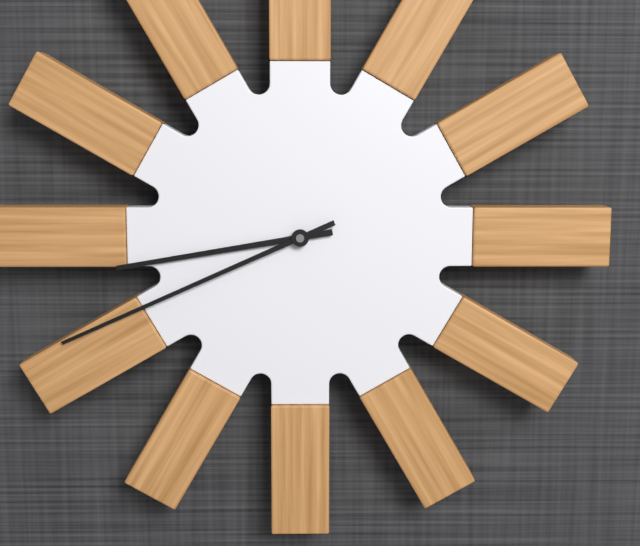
8:41
